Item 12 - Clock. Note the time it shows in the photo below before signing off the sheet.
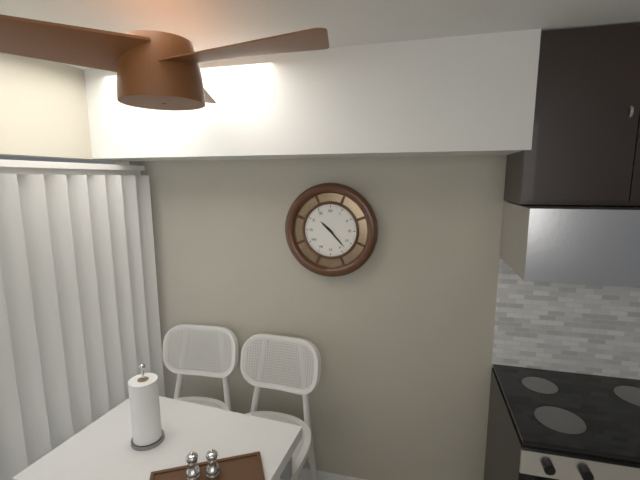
10:23
